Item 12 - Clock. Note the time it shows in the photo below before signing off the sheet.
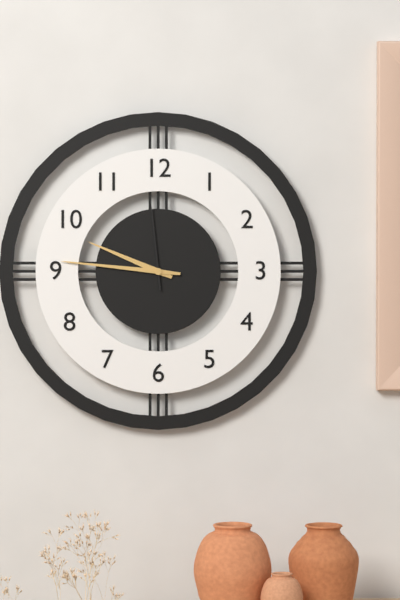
9:46:59
